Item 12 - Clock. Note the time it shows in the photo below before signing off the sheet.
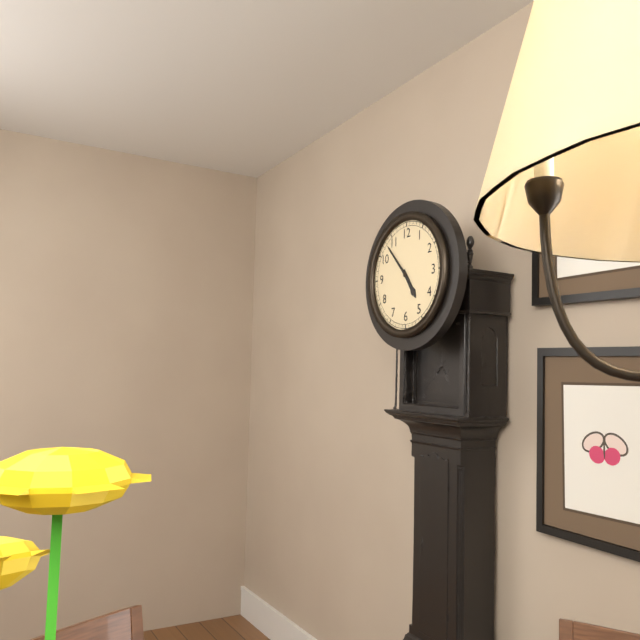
4:53
